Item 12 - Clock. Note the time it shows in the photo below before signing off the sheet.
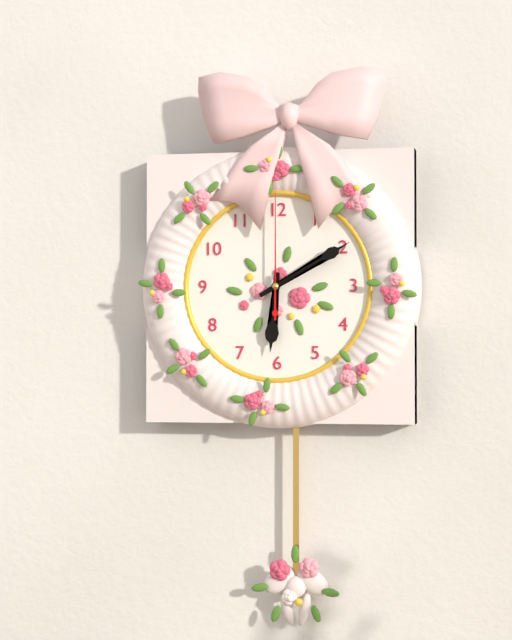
6:10:00
